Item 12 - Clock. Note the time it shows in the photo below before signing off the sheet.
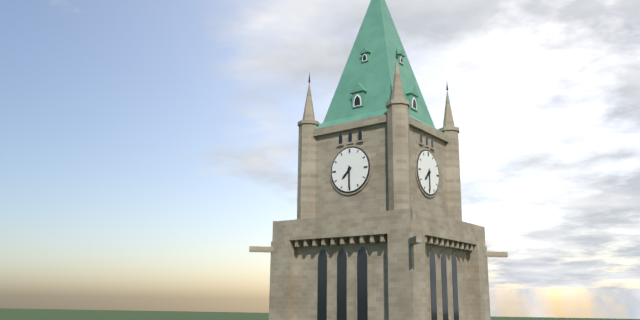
7:30
